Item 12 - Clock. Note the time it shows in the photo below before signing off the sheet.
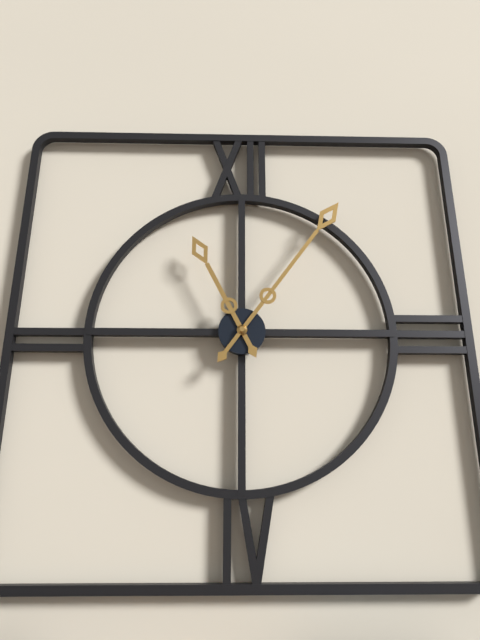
11:06
